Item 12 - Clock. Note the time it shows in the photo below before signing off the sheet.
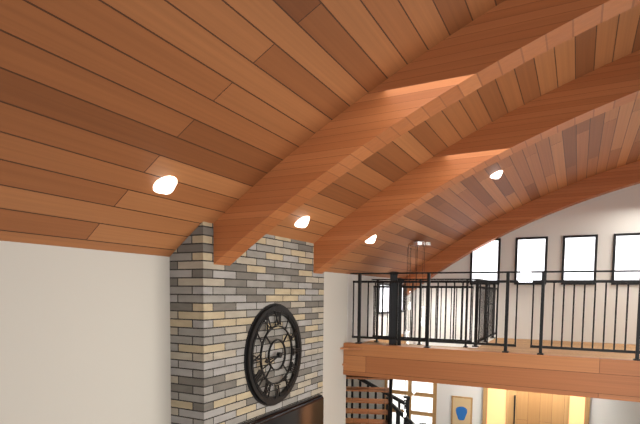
8:42
